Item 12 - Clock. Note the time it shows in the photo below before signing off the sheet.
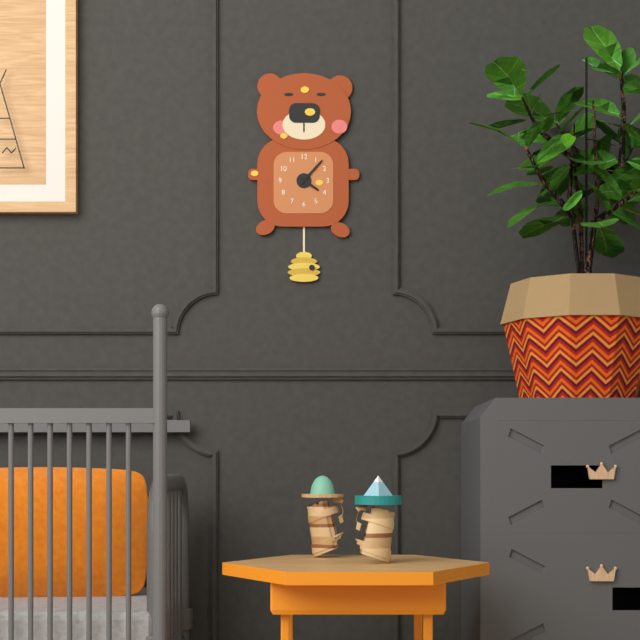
4:07
